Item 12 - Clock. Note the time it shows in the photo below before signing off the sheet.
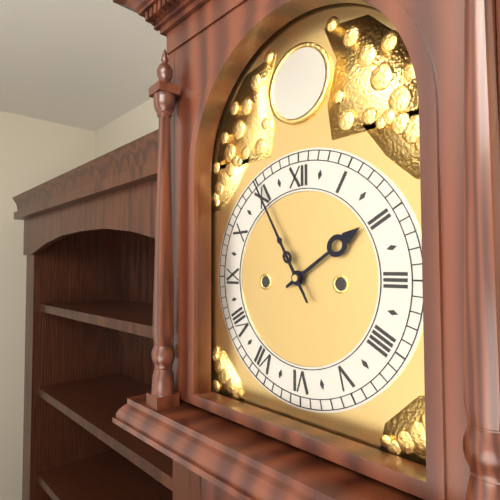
1:55
